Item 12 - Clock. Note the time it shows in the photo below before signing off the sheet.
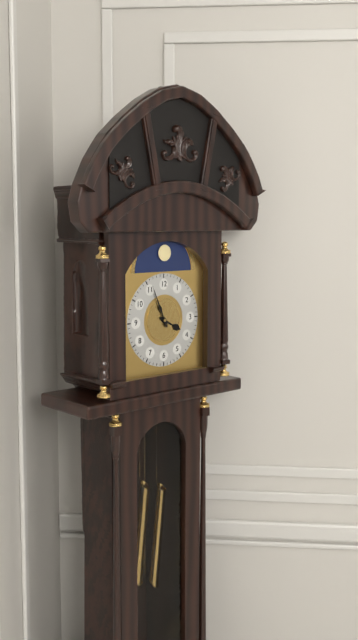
3:56
